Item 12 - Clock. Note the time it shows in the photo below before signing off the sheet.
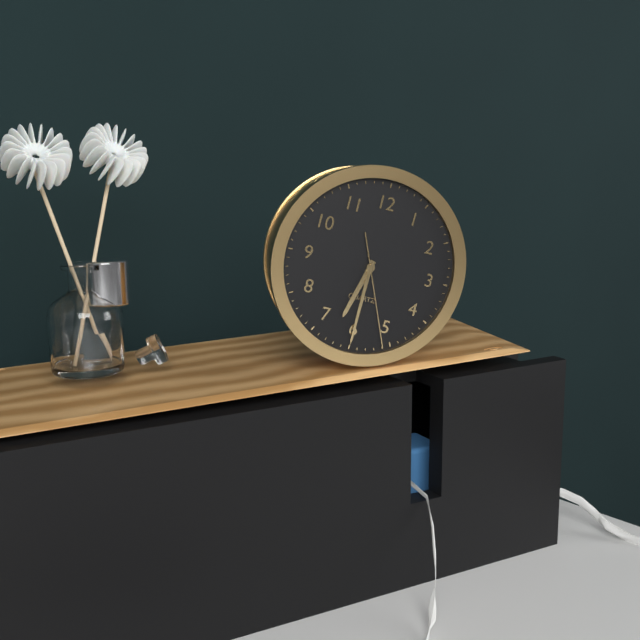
6:30:26
